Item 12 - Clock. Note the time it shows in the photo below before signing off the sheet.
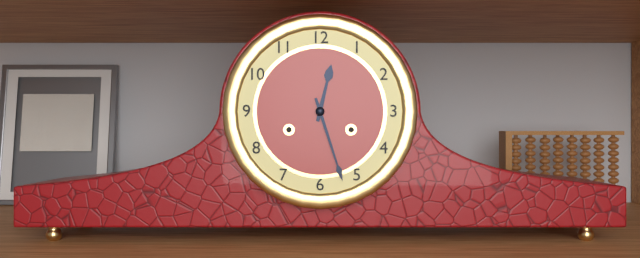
12:27
